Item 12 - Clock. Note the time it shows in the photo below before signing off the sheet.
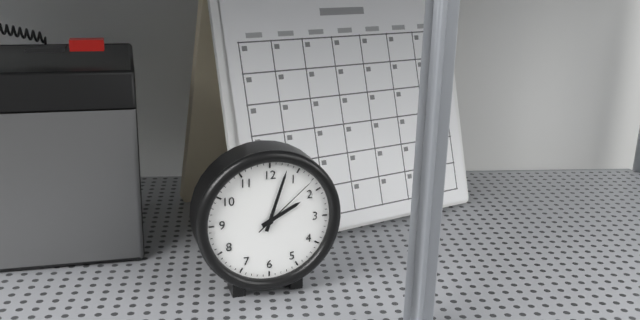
2:03:08
